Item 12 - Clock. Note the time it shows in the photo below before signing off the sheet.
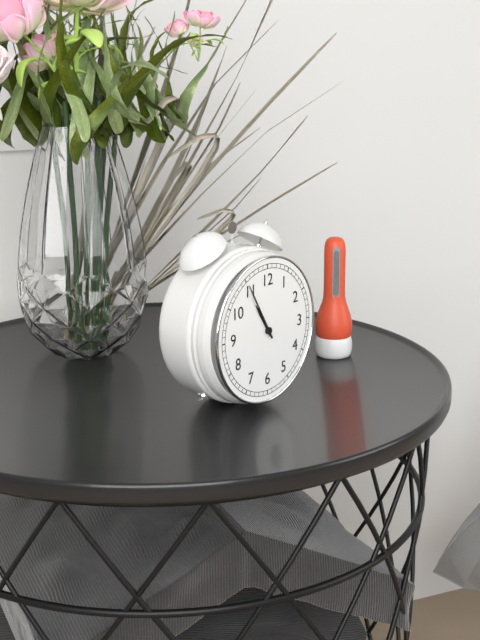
10:55
